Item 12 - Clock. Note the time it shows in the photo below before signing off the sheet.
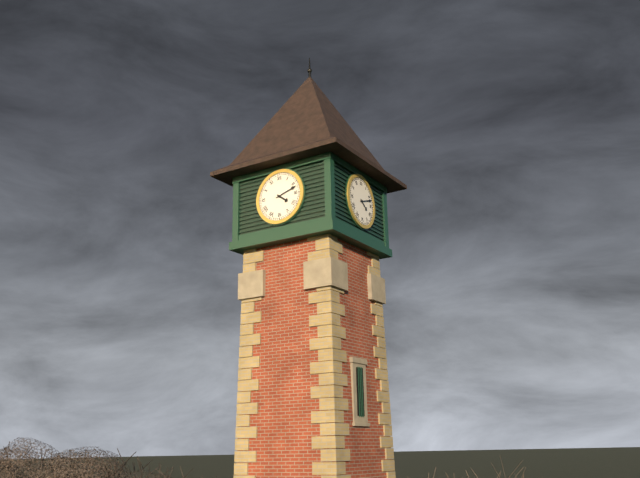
4:12
